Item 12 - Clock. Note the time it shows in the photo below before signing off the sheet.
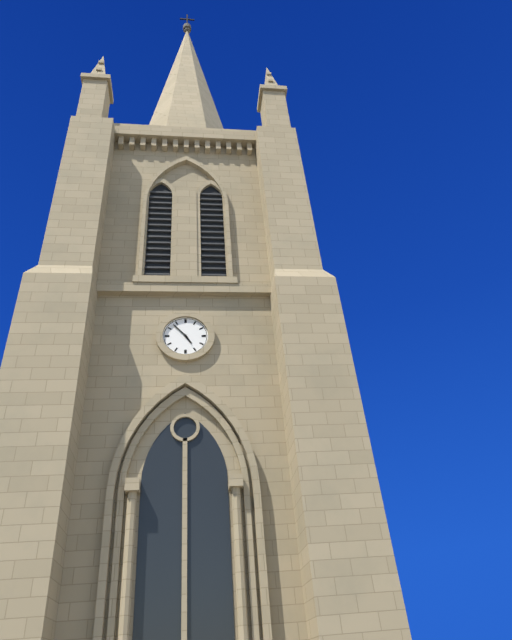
4:53
